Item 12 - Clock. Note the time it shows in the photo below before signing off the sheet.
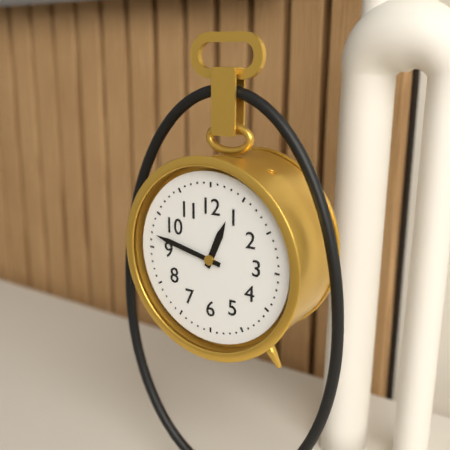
12:47
